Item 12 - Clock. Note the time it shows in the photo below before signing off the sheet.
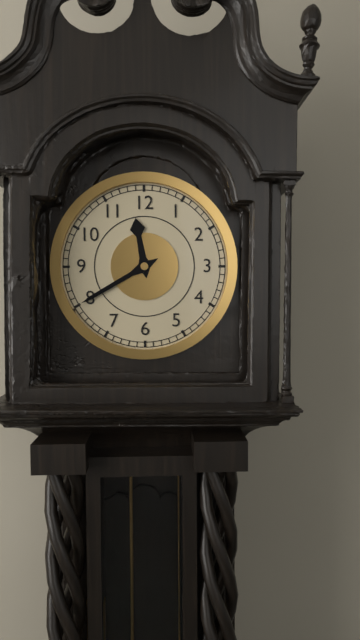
11:40
